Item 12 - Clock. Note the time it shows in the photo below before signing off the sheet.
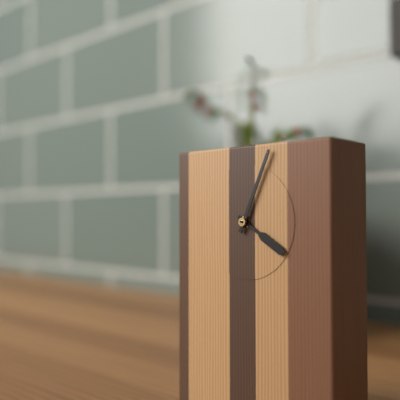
4:04
